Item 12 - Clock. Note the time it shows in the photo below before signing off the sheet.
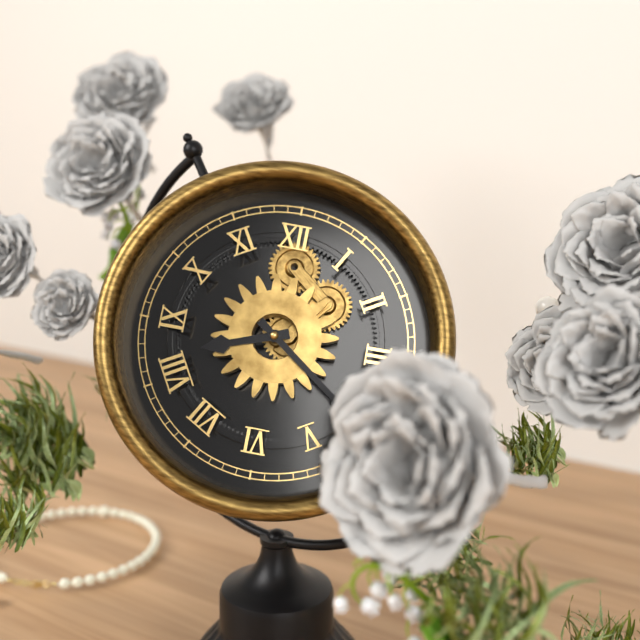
8:21
